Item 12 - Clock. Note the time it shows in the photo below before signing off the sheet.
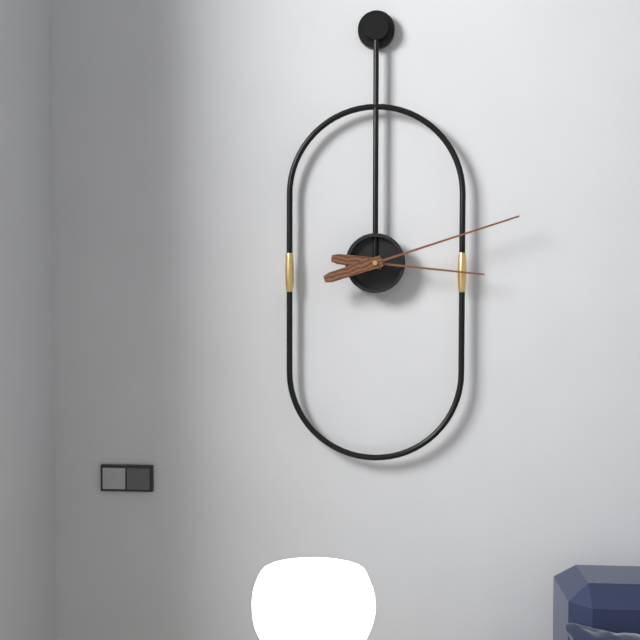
3:12
